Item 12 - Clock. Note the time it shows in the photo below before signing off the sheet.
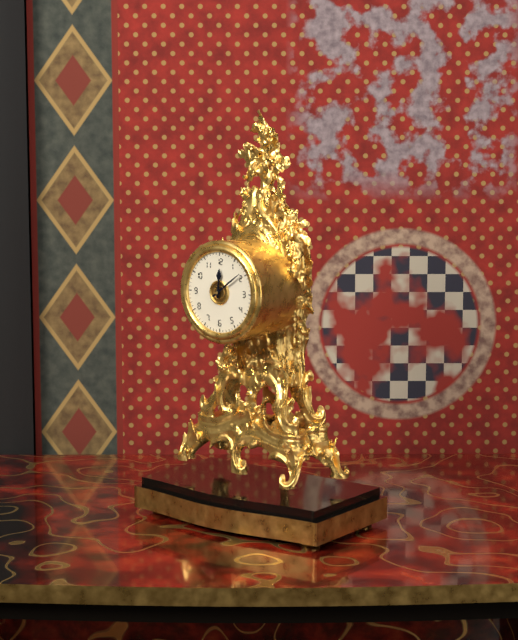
12:09
